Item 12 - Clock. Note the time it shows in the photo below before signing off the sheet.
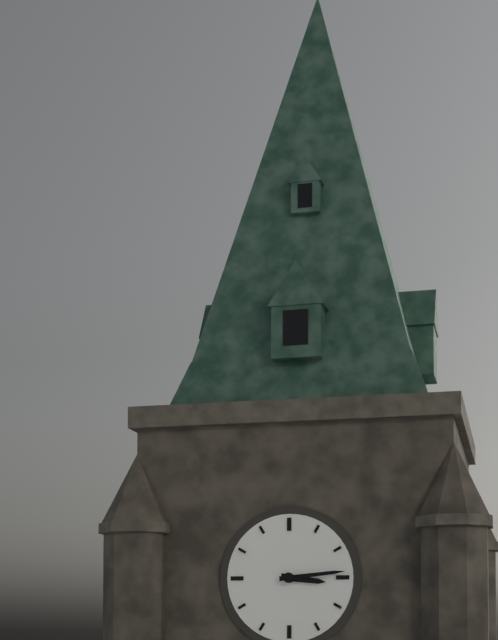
3:14
